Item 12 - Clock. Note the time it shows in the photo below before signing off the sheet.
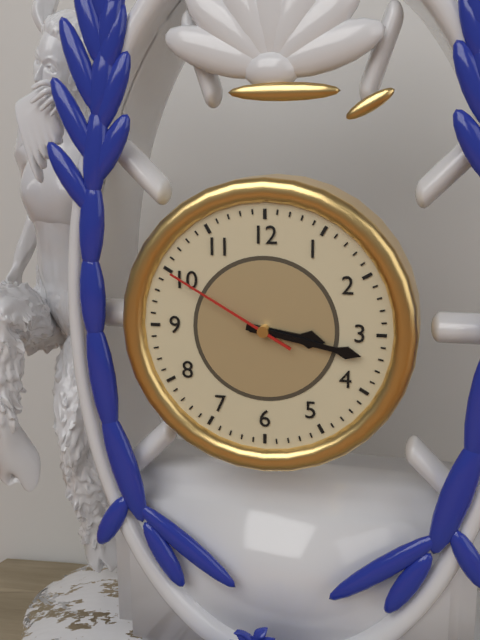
3:17:50
